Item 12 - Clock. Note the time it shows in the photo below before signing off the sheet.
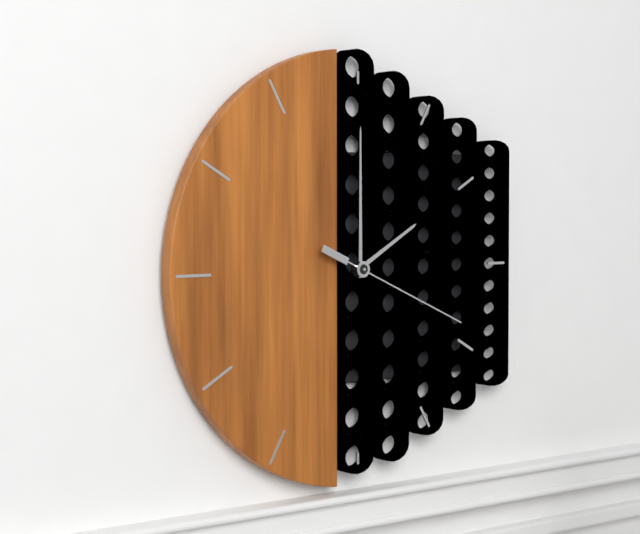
2:00:19
